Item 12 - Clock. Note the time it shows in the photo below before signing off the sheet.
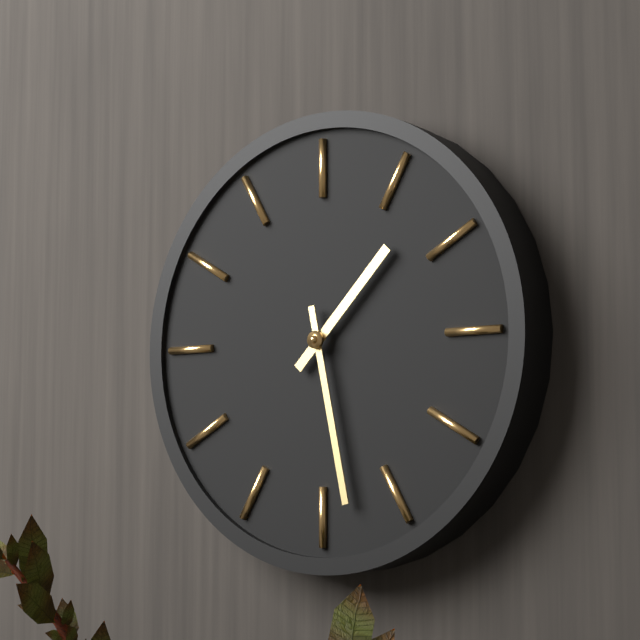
1:28
